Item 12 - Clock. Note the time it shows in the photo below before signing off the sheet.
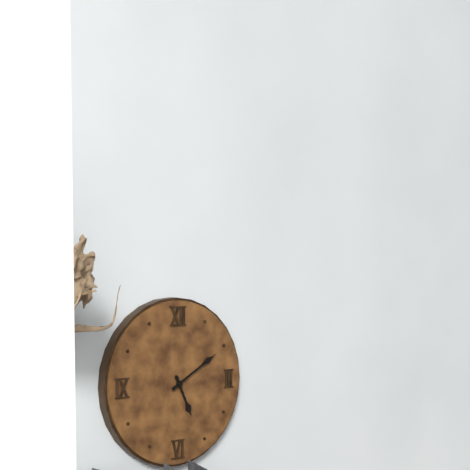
5:10
